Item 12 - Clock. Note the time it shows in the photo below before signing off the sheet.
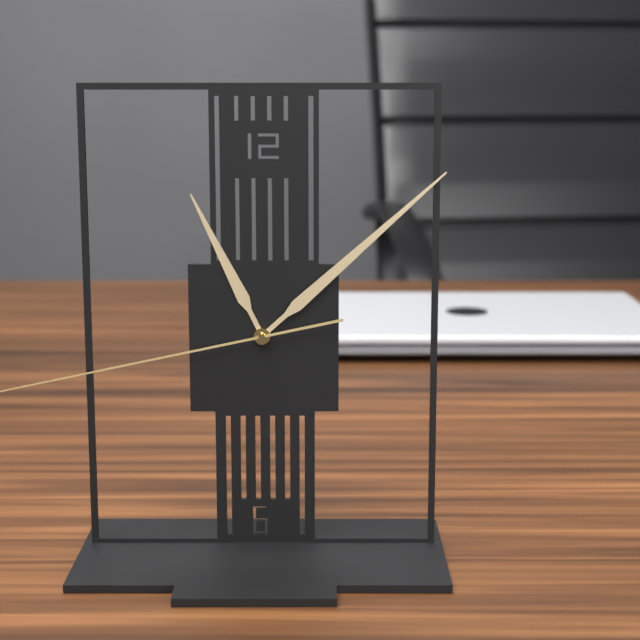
11:08
